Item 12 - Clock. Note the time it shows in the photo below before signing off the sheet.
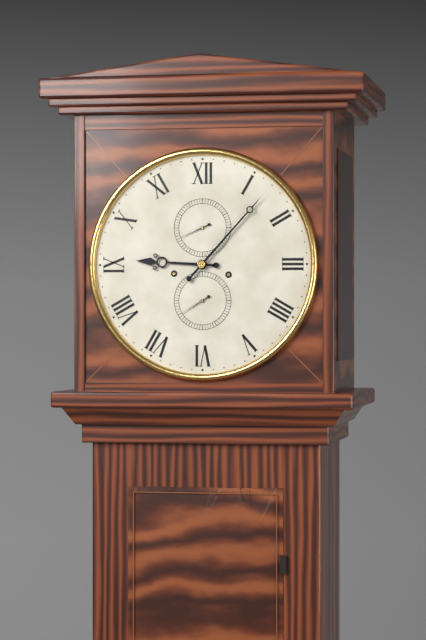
9:07
